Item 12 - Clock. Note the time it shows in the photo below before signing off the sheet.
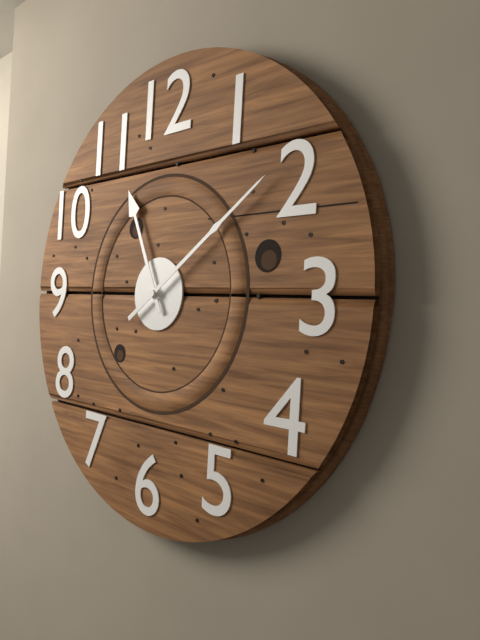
11:09
